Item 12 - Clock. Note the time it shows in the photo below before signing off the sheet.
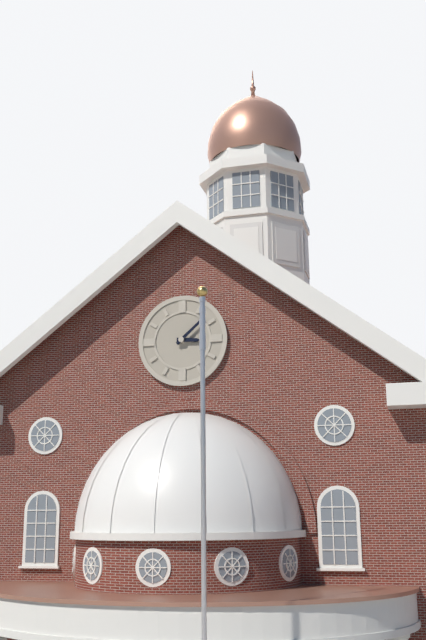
3:08
